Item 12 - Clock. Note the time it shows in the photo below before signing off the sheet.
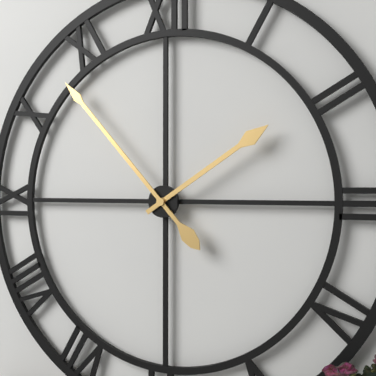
1:53
